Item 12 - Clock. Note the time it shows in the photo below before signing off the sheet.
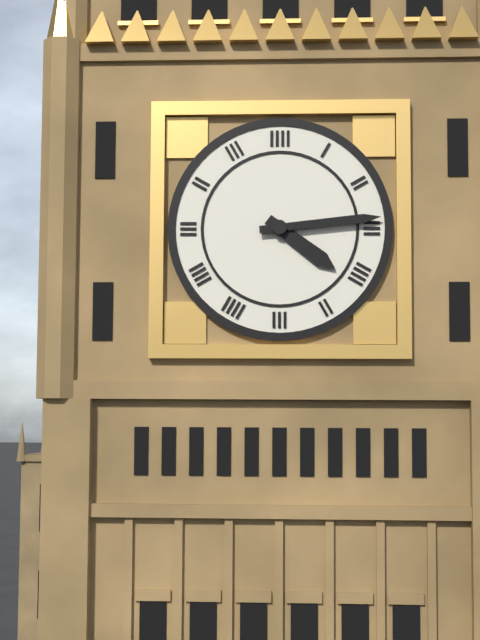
4:14
